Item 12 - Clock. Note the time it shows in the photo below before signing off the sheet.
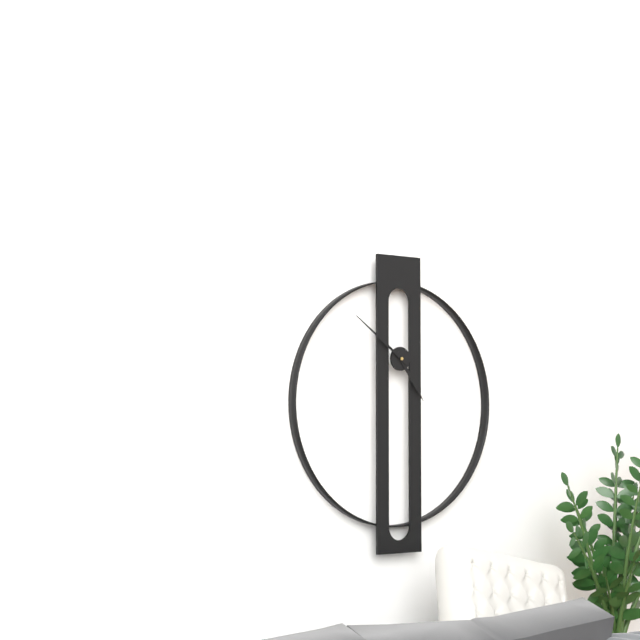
4:51
